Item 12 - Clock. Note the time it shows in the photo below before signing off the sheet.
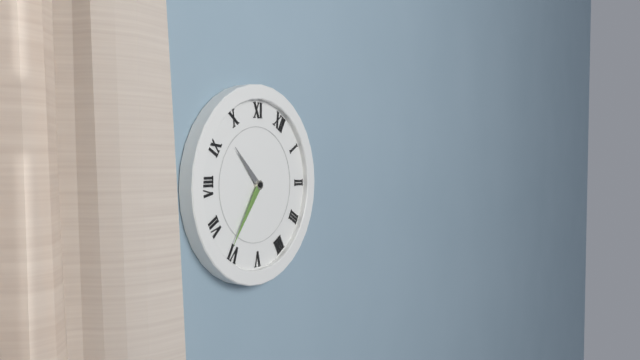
9:31
